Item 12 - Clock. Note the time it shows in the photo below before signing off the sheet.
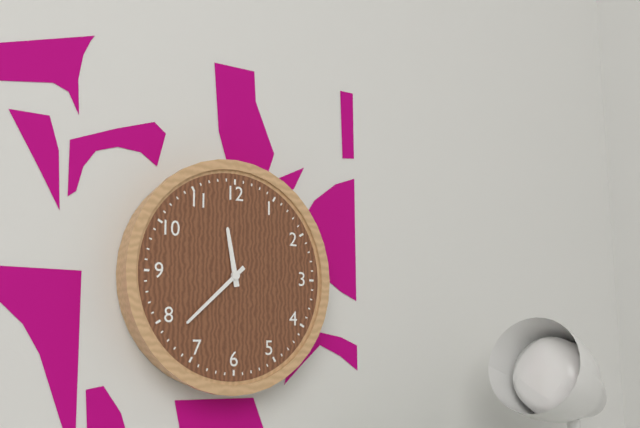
11:38
